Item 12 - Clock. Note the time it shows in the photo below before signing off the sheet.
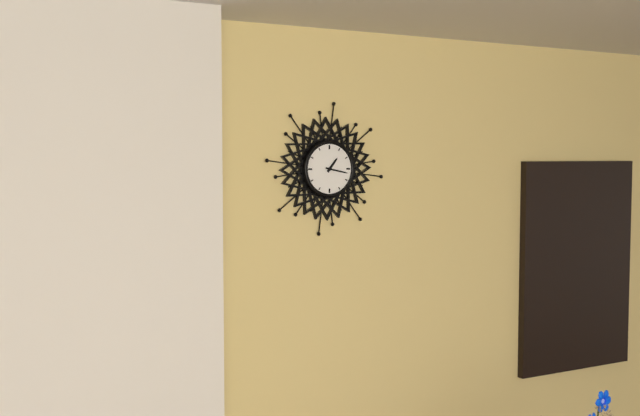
1:17
